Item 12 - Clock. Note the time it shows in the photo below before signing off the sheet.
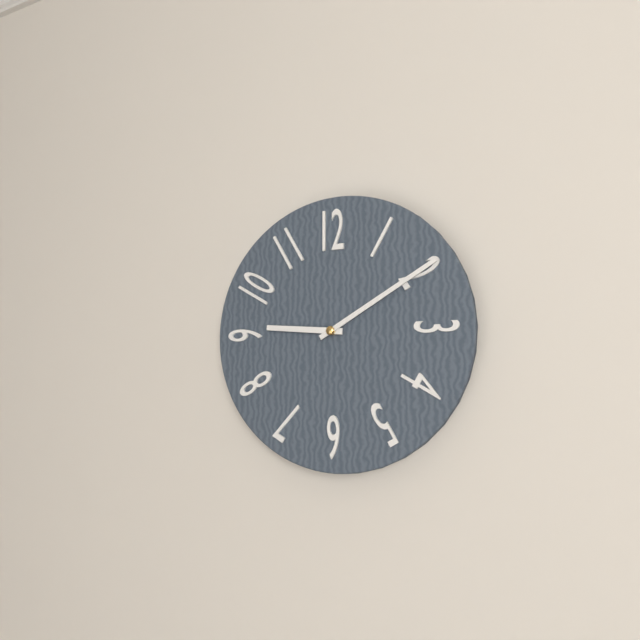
9:10
